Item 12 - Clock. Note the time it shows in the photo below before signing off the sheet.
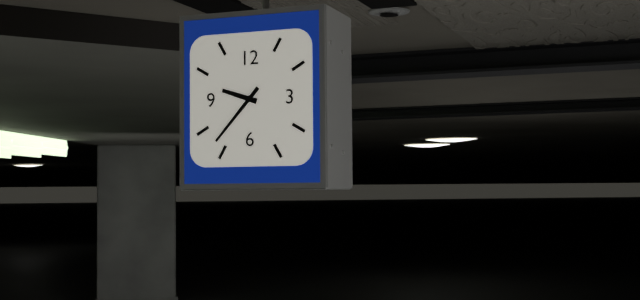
9:37
